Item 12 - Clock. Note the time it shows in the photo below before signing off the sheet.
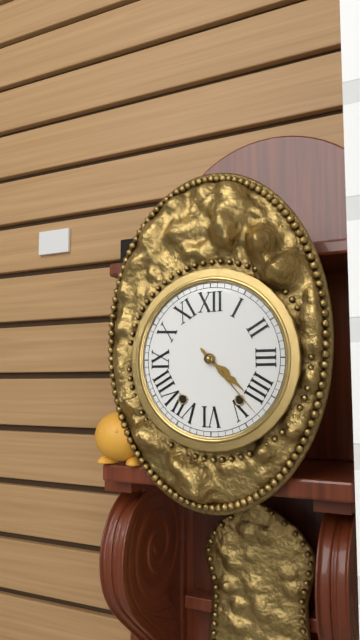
4:23
